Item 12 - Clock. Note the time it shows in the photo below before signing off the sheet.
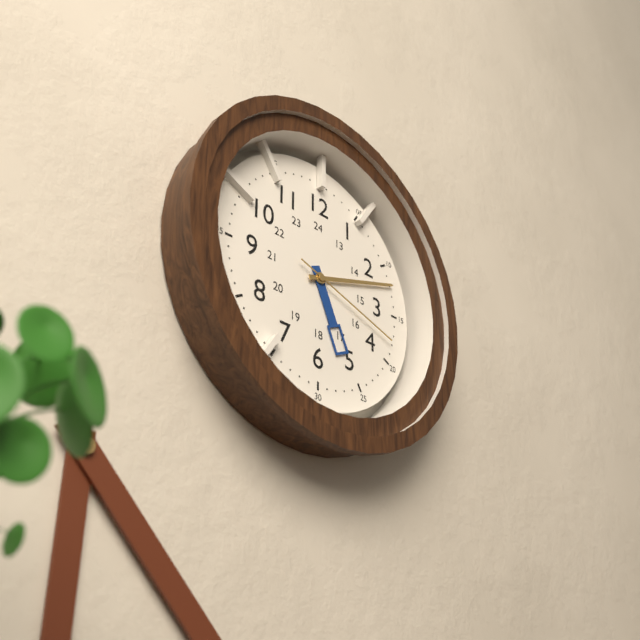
5:12:18
